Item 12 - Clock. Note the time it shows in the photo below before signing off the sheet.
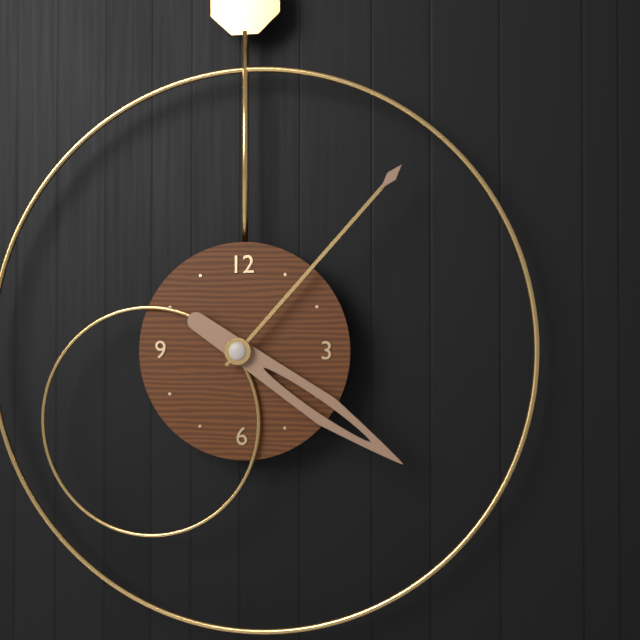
4:07
